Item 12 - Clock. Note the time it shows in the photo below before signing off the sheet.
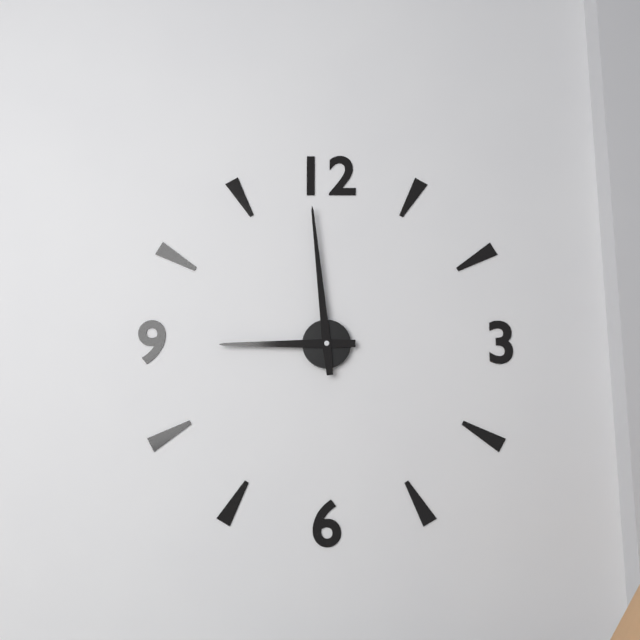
8:59
